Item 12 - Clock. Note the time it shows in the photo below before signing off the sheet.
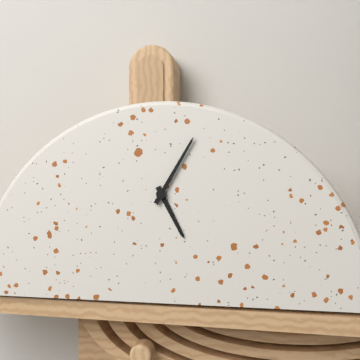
5:05
